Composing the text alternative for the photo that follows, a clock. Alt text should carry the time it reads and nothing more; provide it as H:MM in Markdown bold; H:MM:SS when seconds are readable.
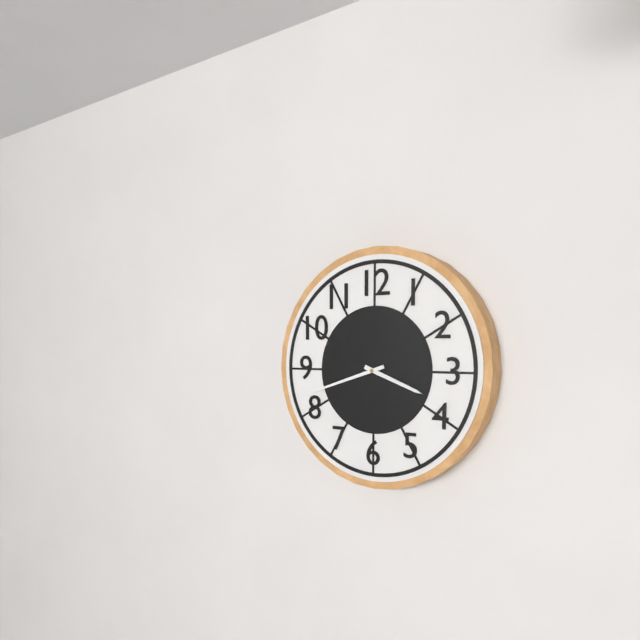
**3:42**
